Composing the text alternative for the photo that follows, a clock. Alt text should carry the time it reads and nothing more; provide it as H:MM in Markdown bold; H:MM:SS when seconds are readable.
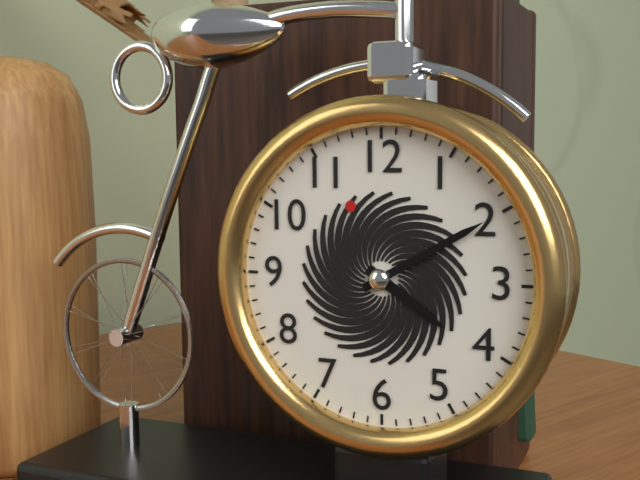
**4:10**
